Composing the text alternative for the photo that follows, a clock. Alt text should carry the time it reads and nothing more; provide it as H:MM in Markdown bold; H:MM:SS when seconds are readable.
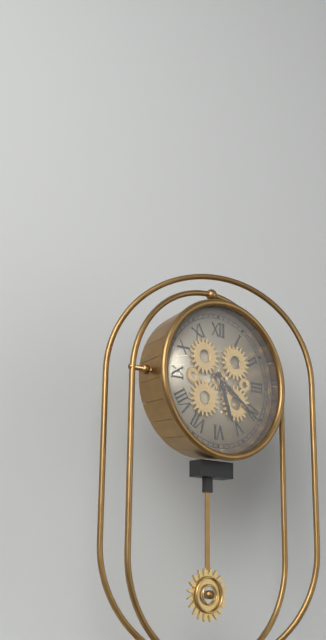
**5:21**
